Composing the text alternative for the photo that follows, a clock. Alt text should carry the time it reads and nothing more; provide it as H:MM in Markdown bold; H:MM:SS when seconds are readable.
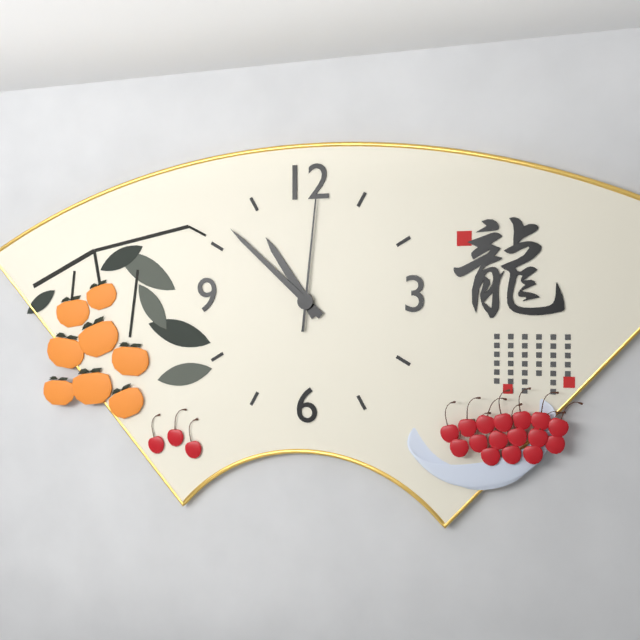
**10:52:01**
